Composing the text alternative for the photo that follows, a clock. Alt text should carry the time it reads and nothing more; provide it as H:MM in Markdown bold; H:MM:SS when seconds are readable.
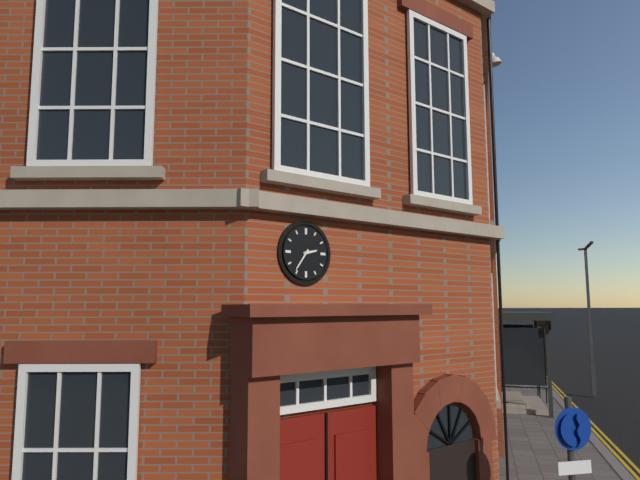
**2:36**
